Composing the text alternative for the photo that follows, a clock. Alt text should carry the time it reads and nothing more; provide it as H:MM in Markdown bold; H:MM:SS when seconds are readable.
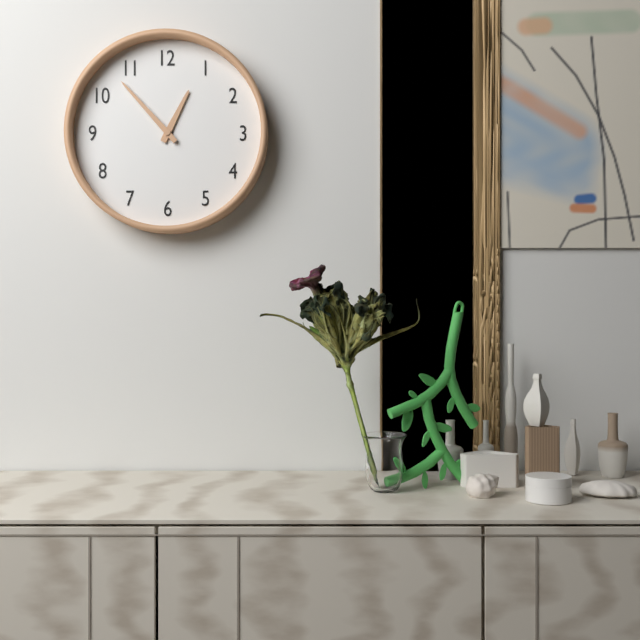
**12:53**
